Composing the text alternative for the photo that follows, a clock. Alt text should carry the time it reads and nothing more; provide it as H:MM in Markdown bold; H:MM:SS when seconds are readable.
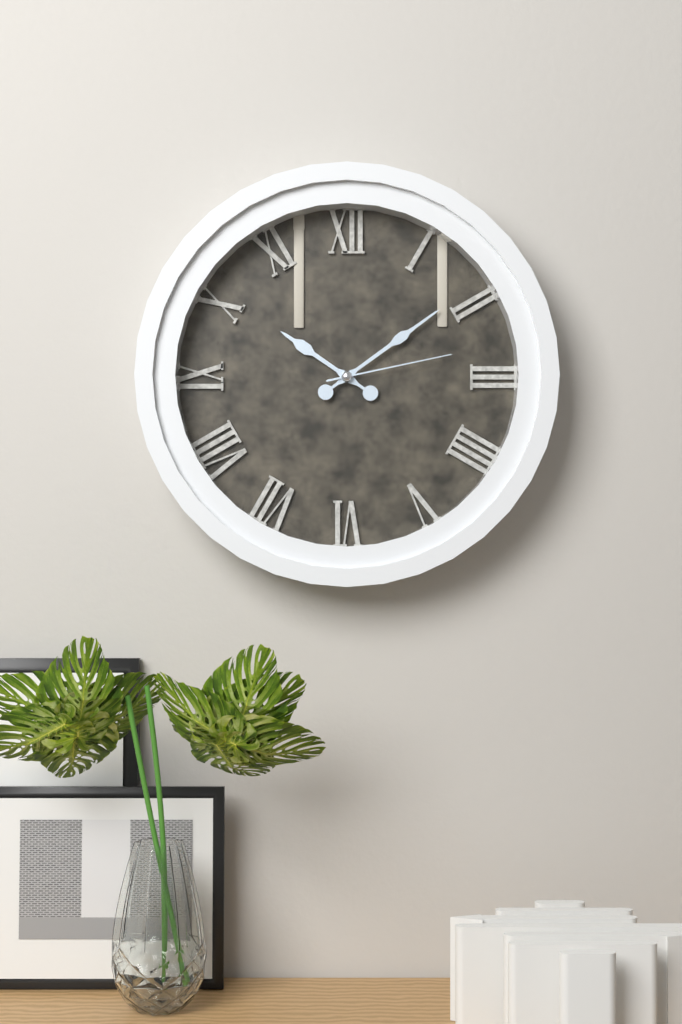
**10:09:13**
